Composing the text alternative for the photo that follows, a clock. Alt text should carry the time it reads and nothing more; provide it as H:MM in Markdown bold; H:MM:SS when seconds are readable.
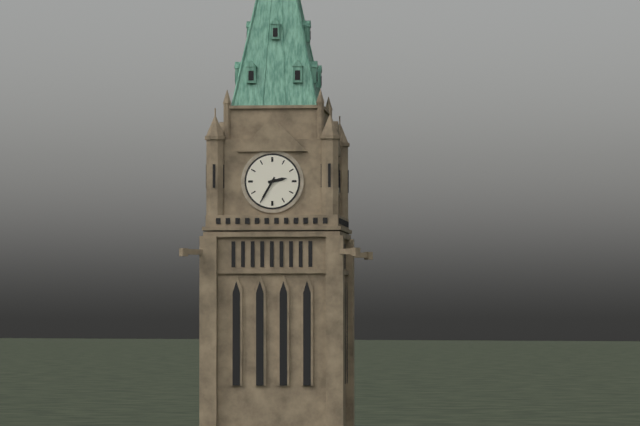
**2:35**
